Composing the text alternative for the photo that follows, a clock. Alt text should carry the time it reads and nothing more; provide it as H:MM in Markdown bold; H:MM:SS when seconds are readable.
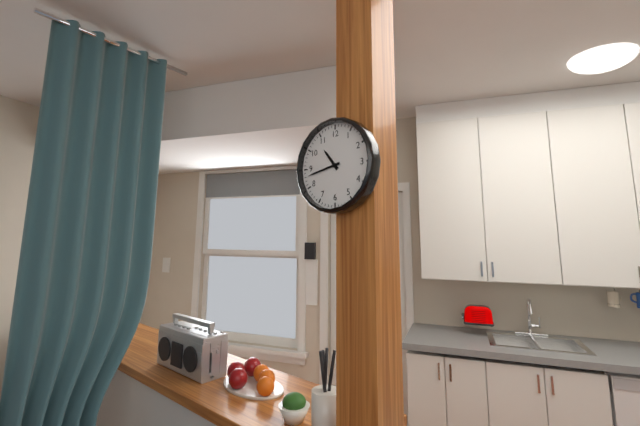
**10:43**
